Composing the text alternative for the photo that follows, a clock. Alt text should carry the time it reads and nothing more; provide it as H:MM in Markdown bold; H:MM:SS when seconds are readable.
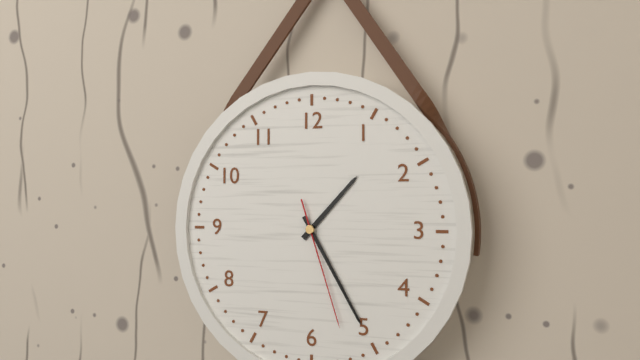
**1:25:27**
